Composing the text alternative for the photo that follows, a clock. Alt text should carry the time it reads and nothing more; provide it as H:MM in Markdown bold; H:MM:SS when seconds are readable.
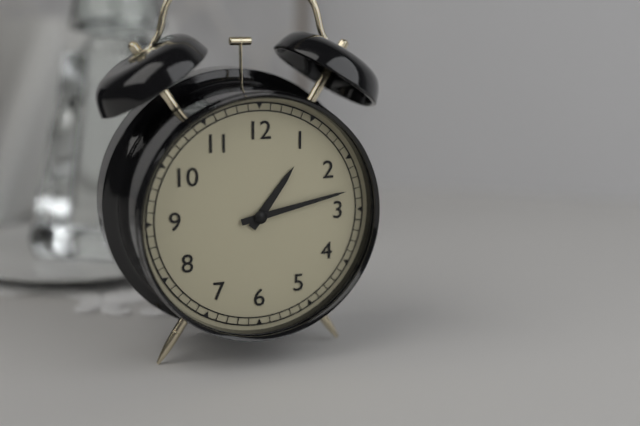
**1:13**
